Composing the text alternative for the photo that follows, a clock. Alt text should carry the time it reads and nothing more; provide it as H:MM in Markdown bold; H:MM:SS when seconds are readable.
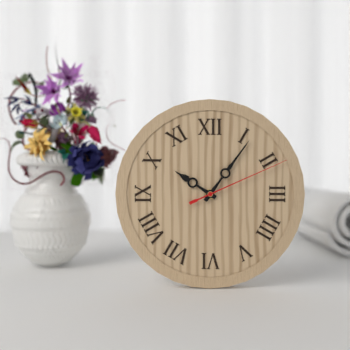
**10:06:11**
